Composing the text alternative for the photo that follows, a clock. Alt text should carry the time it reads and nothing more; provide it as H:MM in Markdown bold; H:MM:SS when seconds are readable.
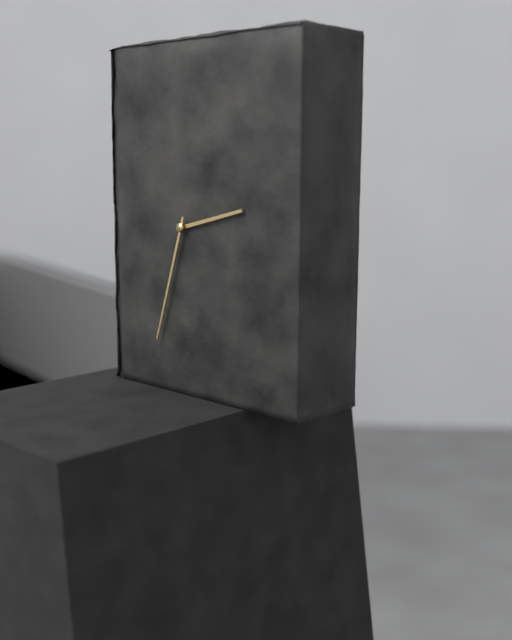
**2:33**
